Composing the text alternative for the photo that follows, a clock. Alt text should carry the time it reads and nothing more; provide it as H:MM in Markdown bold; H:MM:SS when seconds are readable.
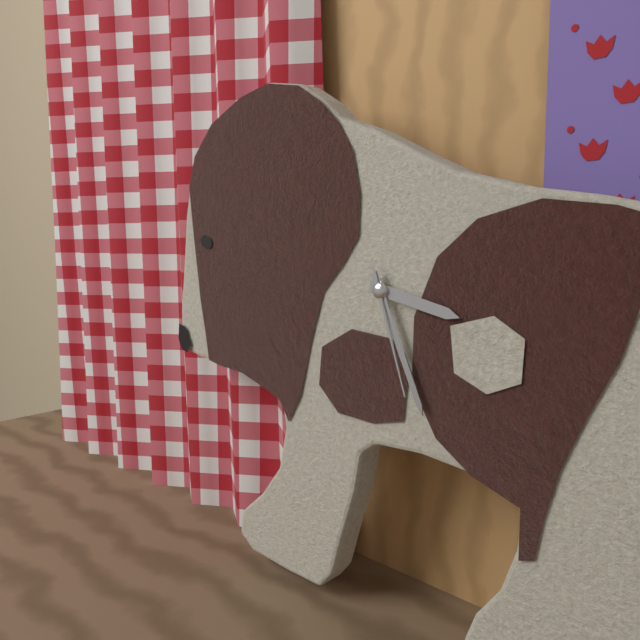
**3:26:27**
